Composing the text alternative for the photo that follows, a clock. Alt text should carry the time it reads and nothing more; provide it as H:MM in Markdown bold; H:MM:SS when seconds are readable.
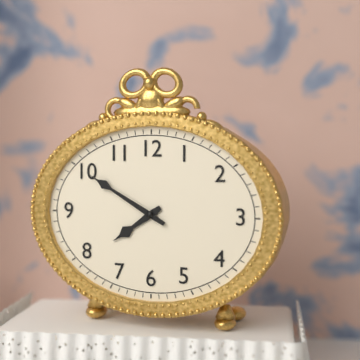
**7:50**
